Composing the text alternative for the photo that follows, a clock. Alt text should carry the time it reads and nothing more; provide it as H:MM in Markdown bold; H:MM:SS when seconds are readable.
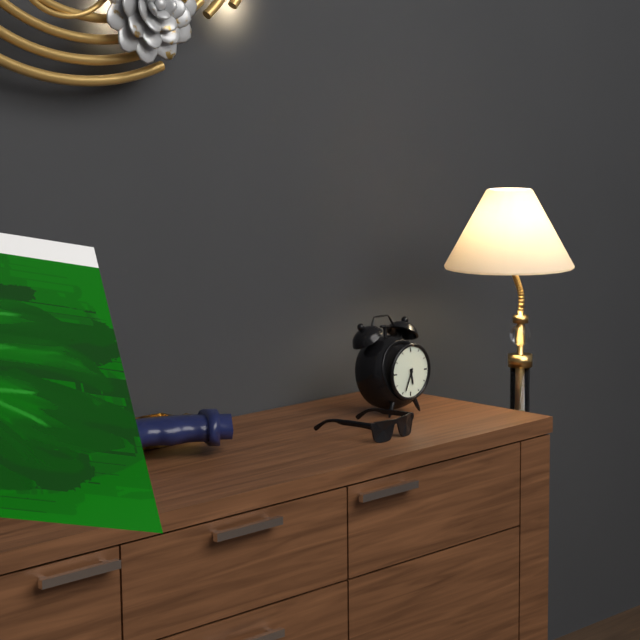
**5:34**
